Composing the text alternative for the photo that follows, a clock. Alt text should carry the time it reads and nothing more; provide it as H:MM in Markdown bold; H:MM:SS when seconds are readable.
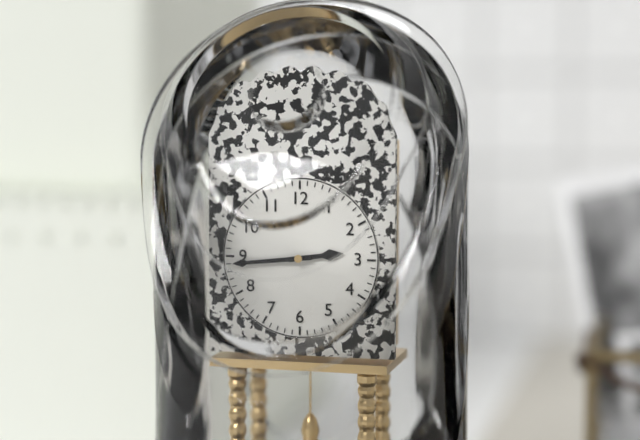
**2:44**
